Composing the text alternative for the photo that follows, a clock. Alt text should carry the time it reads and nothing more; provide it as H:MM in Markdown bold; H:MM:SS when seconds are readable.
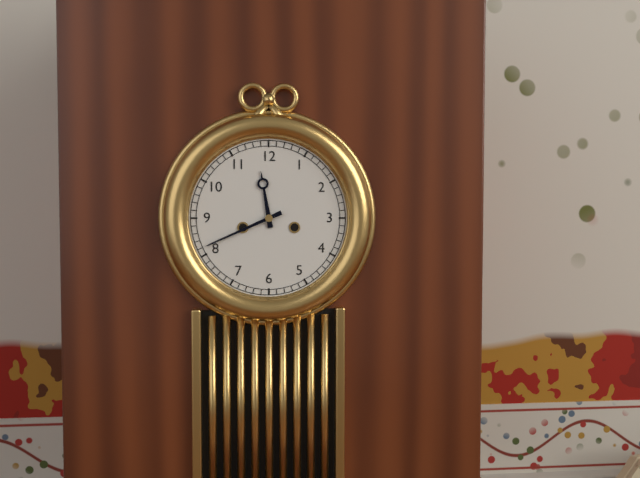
**11:41**
